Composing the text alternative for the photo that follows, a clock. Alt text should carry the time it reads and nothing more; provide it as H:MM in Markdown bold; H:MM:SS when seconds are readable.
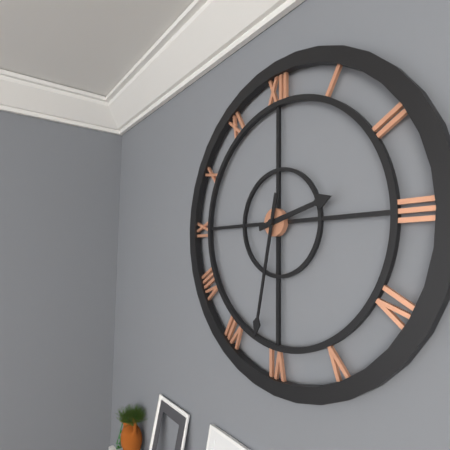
**2:32**
